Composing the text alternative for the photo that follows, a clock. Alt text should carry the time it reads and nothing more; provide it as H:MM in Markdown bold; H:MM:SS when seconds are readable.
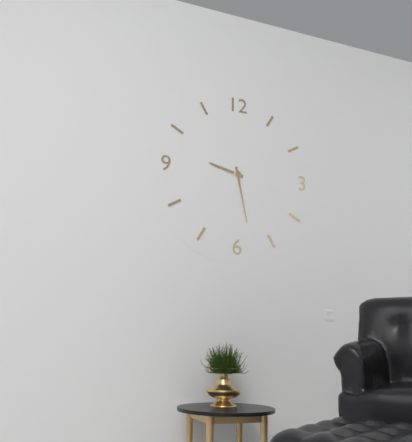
**9:28**
